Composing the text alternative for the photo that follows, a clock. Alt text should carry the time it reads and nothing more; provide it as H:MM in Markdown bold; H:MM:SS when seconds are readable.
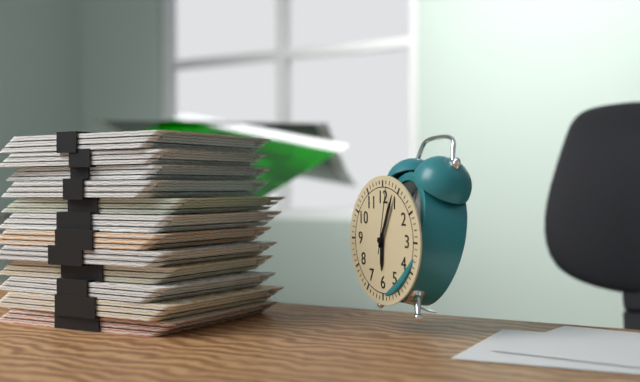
**6:04:02**
